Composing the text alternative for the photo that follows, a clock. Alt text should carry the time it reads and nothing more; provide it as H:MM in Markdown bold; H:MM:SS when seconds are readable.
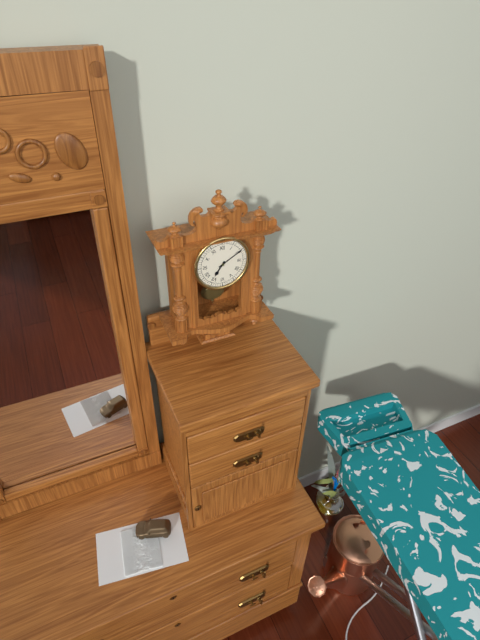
**7:10**
